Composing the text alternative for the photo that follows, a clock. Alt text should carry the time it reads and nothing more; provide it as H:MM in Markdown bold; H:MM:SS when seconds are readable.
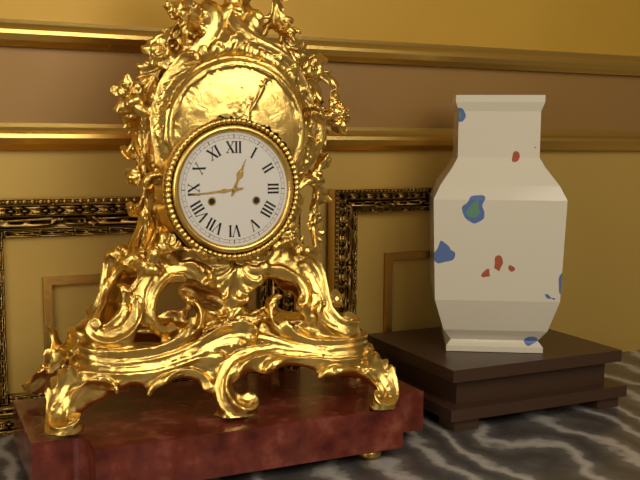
**12:44**
